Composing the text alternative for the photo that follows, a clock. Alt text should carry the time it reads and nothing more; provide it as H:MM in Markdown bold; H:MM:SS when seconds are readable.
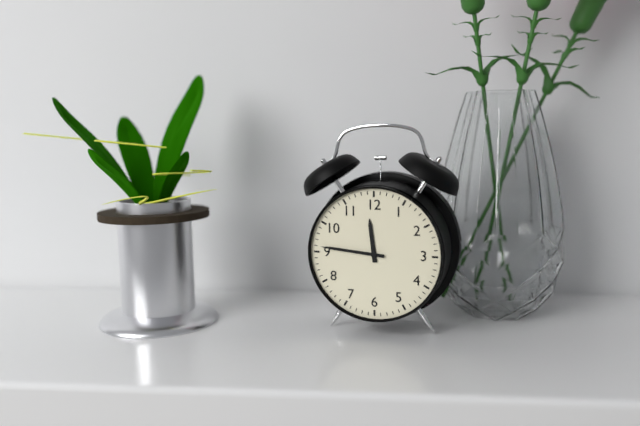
**11:46**
